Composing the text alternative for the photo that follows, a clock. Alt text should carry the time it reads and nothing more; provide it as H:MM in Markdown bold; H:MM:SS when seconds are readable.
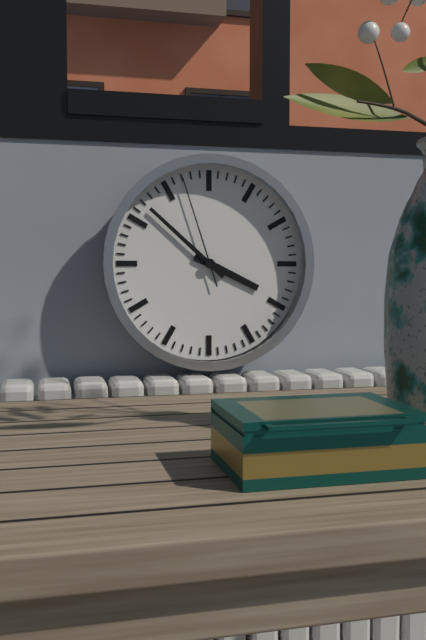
**3:52:57**
